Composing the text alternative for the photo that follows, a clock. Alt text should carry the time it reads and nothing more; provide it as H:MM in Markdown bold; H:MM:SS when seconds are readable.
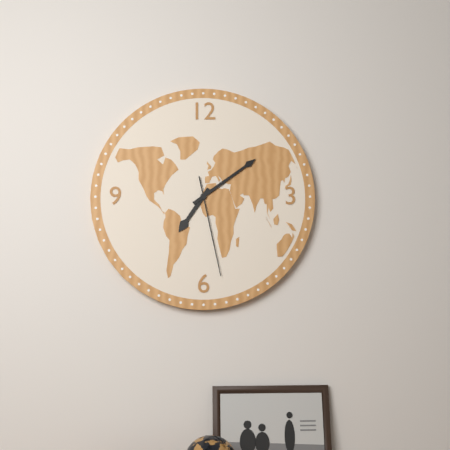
**7:09:28**
